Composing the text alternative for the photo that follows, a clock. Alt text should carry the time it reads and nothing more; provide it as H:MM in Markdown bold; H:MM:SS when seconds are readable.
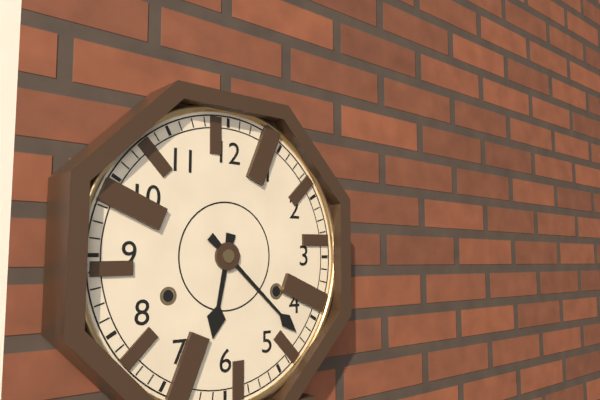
**6:22**
